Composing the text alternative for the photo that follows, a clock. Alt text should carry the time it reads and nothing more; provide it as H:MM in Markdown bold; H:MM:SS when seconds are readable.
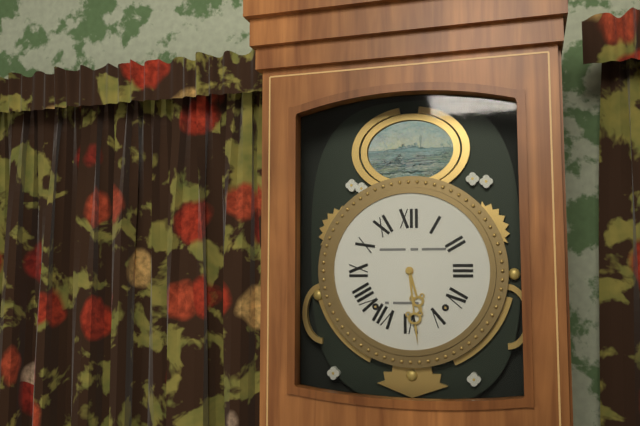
**5:29**
